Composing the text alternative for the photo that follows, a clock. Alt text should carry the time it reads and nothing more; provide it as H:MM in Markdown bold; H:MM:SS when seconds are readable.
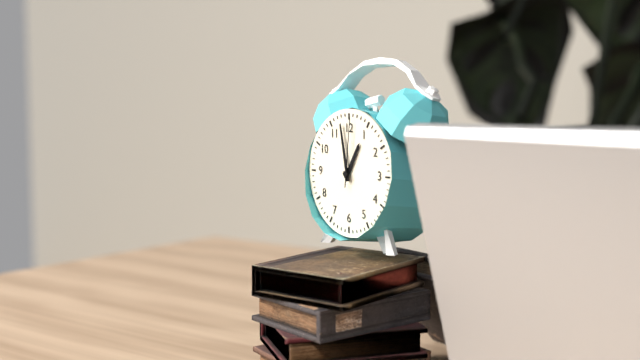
**12:58:01**
